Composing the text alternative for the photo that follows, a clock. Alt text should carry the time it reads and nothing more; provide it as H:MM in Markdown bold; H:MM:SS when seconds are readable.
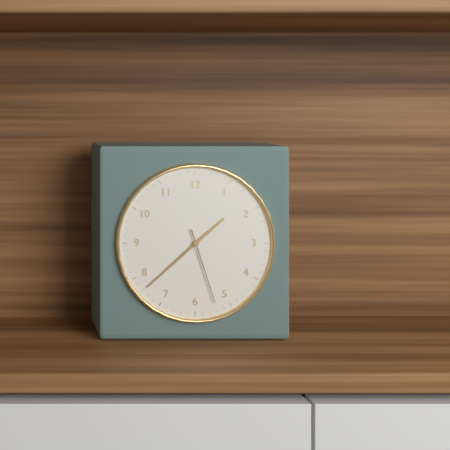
**1:38:27**
